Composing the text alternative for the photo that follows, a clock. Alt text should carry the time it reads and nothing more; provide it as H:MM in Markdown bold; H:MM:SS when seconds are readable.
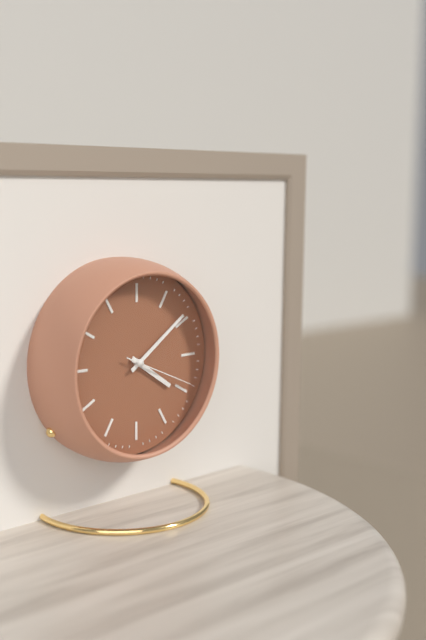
**4:09:19**
